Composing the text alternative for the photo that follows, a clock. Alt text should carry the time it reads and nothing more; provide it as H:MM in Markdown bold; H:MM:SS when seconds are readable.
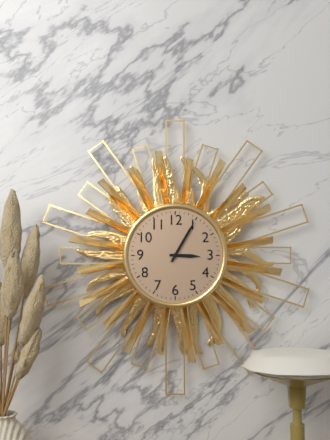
**3:05**
